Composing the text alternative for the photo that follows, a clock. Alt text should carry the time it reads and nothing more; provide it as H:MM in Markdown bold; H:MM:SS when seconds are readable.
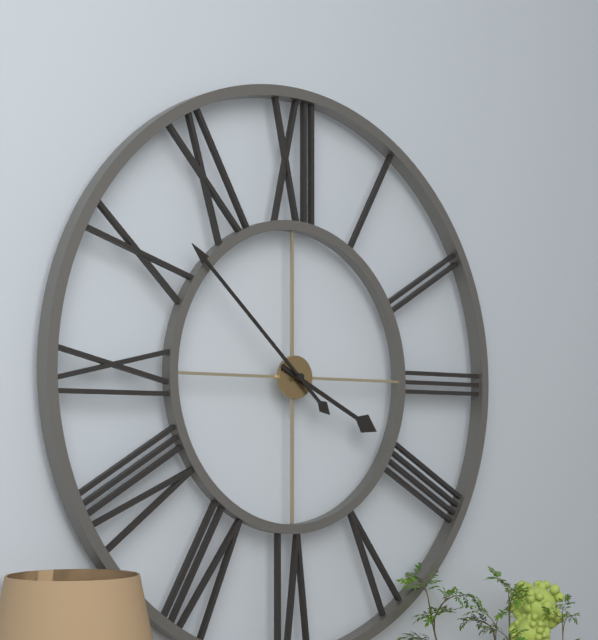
**3:52**
